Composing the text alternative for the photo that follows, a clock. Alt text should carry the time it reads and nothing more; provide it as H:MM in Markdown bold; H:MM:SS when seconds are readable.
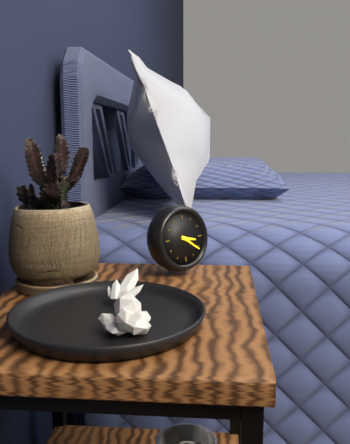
**3:21**
